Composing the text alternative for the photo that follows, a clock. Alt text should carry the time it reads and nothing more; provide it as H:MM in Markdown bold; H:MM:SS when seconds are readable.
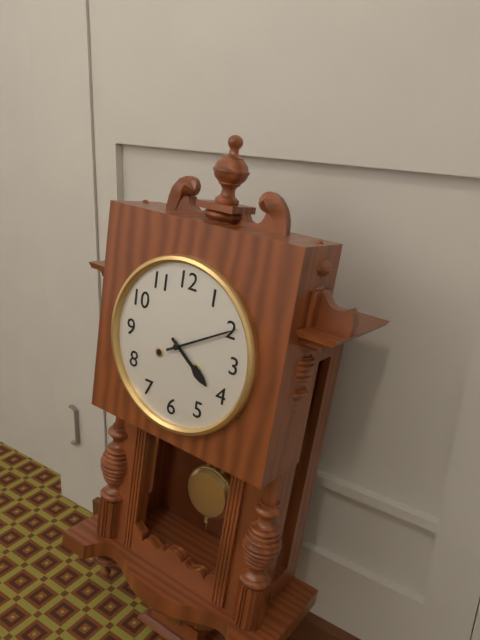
**4:10**
